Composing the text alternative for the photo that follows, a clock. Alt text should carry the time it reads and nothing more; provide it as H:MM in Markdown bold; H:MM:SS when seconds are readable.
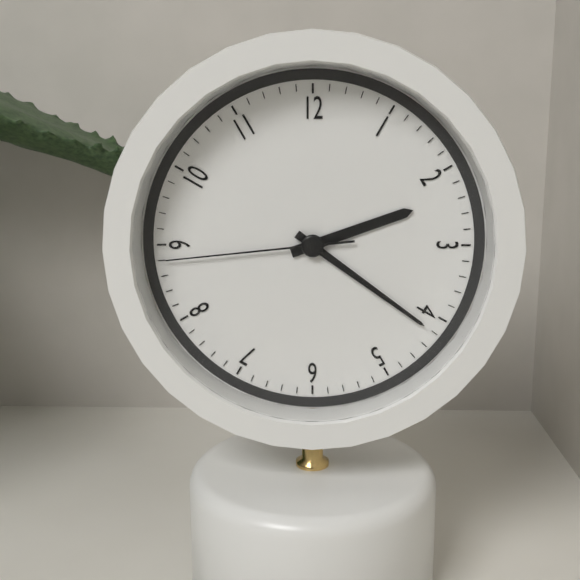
**2:21:44**
